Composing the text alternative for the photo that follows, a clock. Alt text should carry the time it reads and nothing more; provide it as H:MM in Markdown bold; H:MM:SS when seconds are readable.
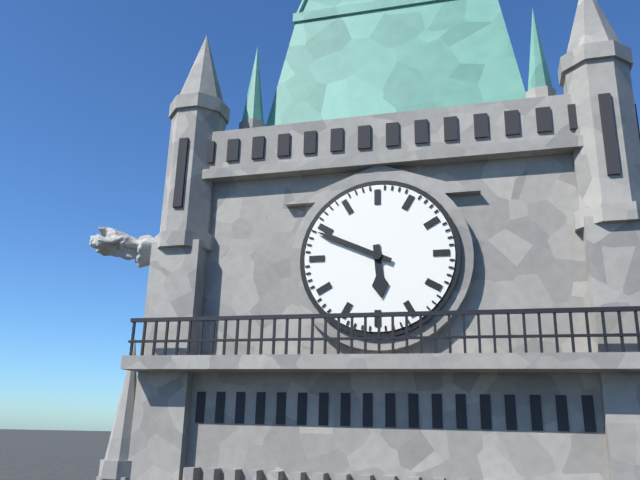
**5:49**
